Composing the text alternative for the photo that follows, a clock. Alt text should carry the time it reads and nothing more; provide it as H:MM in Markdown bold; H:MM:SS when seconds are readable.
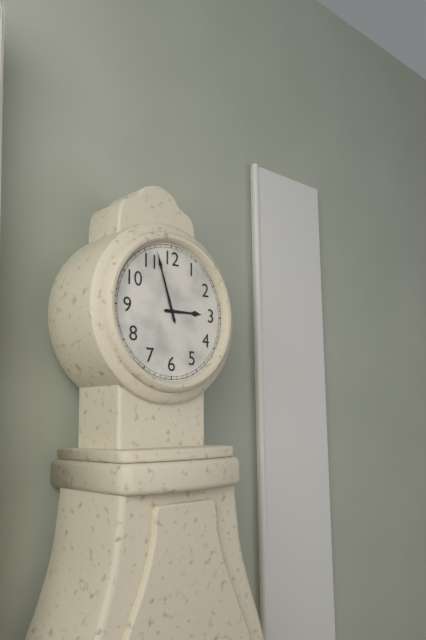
**2:57**
